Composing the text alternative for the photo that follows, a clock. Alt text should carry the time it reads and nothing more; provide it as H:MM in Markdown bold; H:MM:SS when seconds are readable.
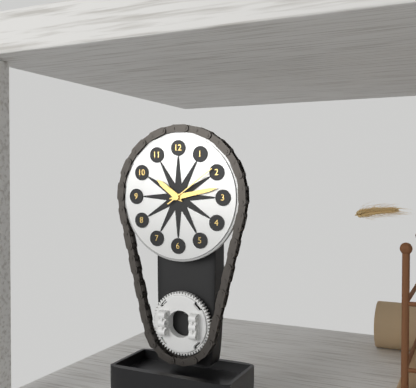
**10:13:09**
